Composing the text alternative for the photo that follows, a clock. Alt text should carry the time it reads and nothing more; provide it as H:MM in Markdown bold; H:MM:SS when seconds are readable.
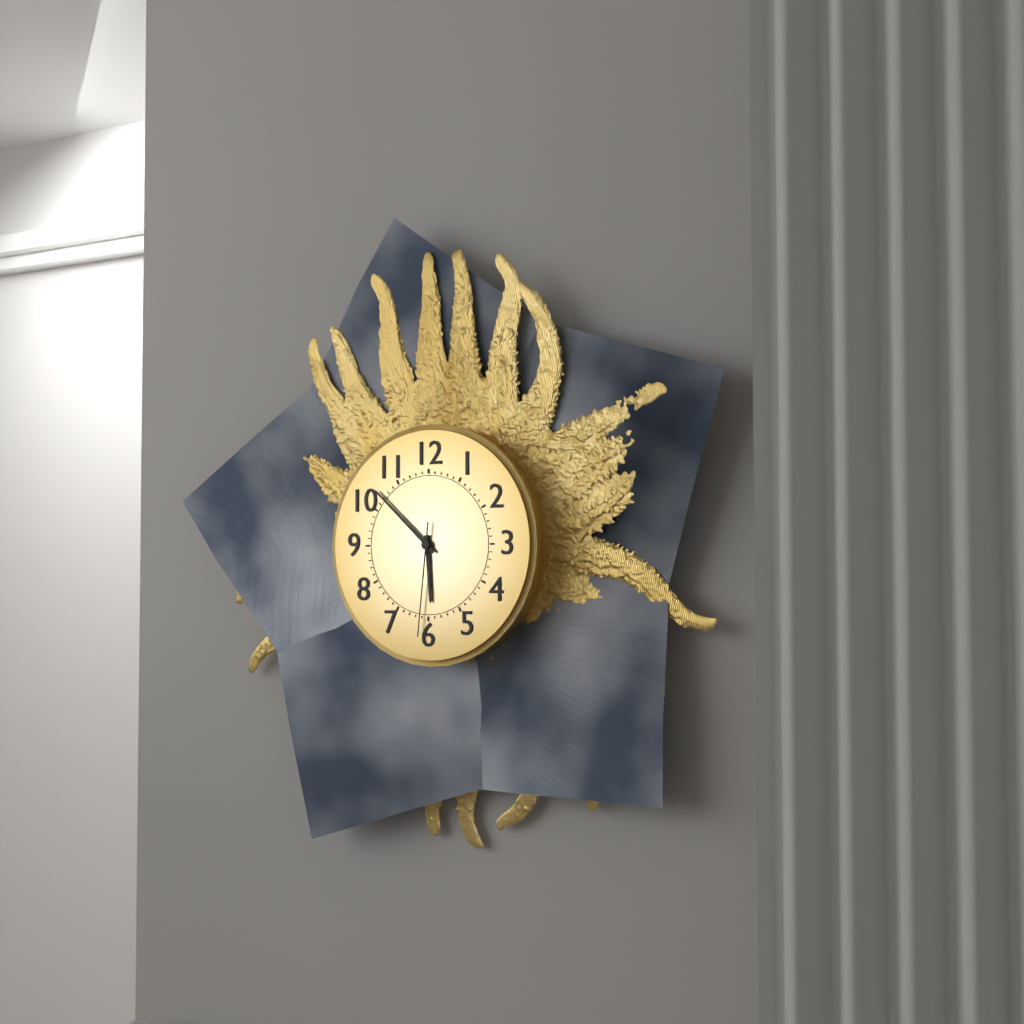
**5:52:31**
